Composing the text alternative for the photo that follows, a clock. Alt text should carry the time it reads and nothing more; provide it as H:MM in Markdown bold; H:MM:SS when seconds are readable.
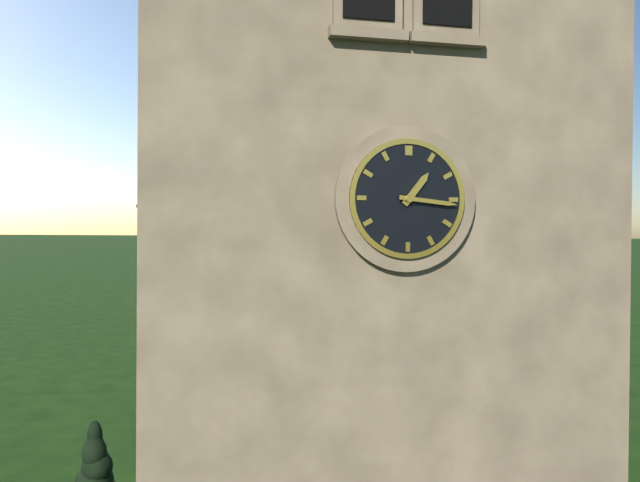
**1:16**
